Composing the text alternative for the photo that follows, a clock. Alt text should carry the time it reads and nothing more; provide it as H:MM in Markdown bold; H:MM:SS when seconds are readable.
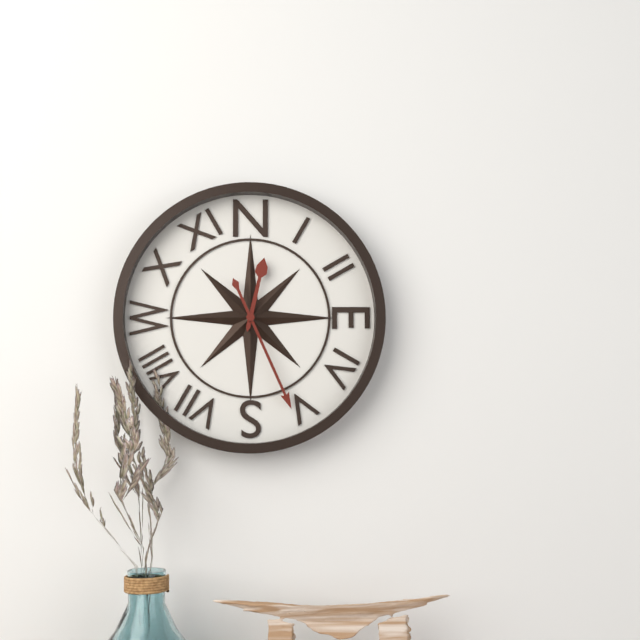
**12:26**
